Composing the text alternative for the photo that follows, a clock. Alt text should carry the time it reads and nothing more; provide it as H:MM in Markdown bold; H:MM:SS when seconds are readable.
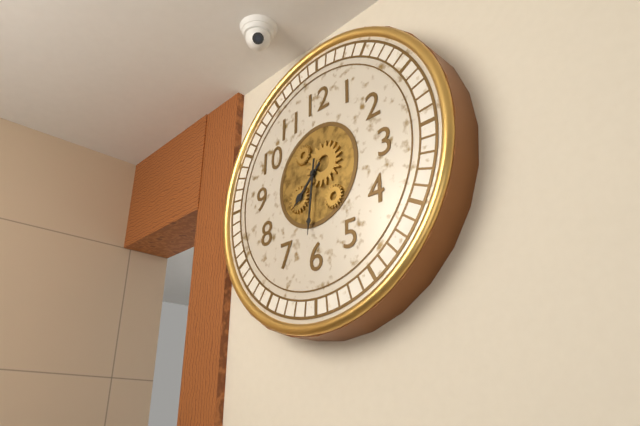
**7:31**
